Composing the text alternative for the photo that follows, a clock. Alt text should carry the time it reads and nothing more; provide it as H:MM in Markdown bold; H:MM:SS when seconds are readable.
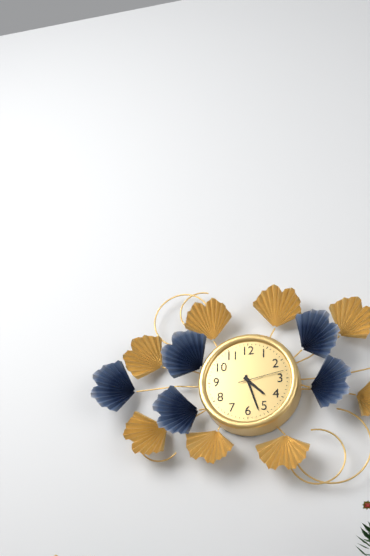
**4:27**
